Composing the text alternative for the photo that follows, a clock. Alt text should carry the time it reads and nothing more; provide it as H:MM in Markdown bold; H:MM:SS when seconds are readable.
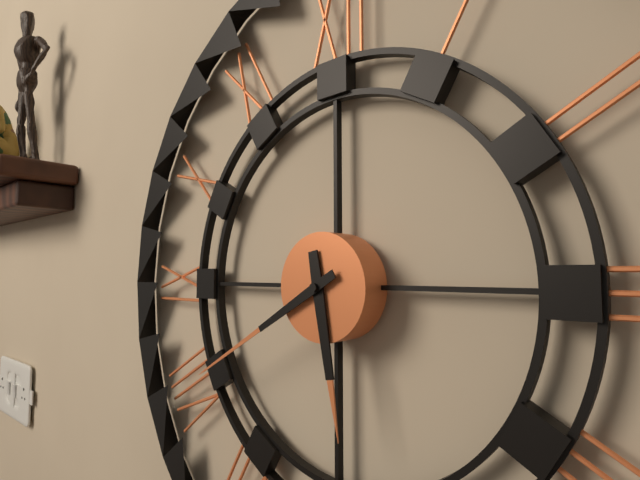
**5:40**
